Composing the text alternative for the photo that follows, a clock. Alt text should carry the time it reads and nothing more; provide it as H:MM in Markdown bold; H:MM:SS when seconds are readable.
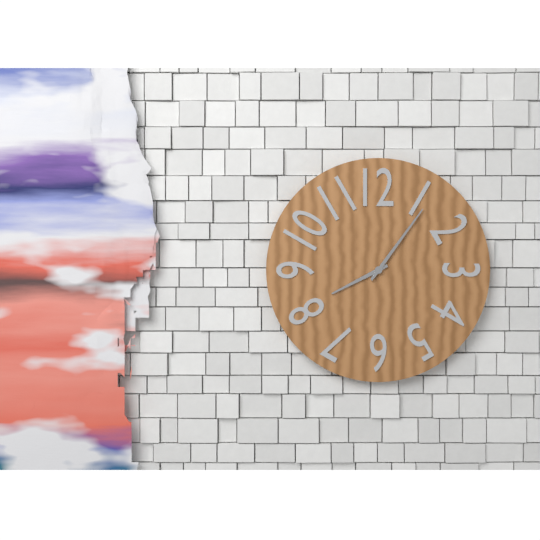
**8:06**
